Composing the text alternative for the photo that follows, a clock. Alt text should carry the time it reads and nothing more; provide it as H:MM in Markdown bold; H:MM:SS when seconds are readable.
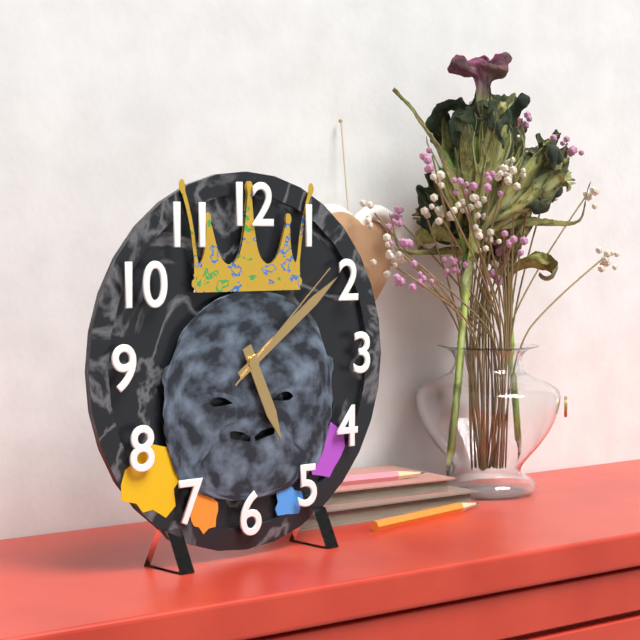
**5:09:08**
